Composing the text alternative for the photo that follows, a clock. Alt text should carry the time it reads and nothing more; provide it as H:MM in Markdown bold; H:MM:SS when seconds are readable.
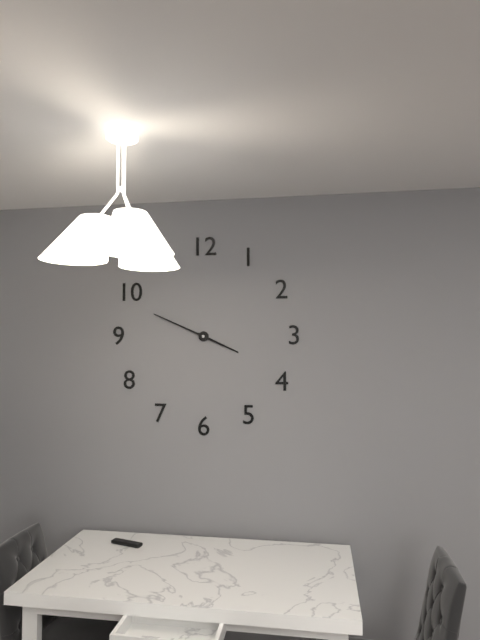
**3:49**
